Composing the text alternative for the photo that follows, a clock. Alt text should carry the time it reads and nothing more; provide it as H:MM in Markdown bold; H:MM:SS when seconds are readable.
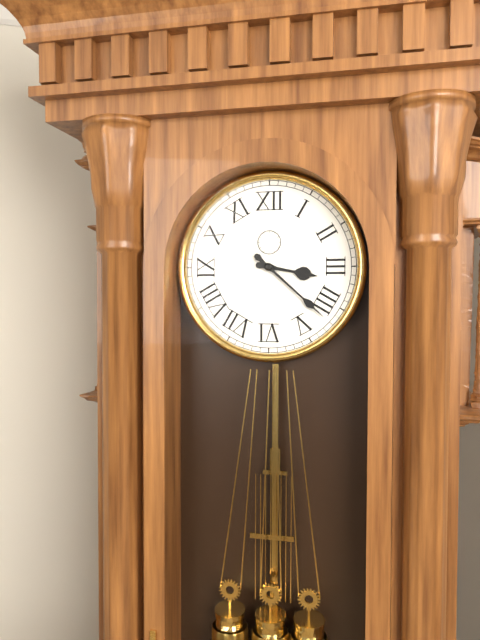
**3:22**
